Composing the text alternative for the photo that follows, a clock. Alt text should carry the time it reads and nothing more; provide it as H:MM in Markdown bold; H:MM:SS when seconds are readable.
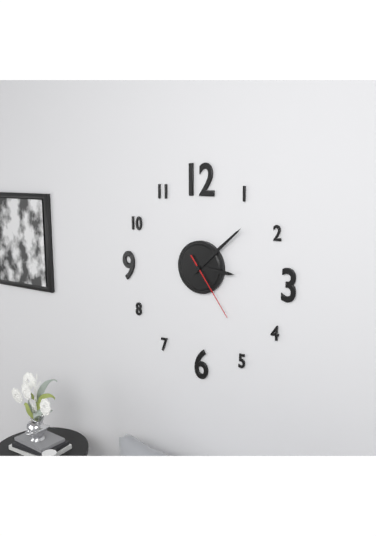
**3:08:24**
